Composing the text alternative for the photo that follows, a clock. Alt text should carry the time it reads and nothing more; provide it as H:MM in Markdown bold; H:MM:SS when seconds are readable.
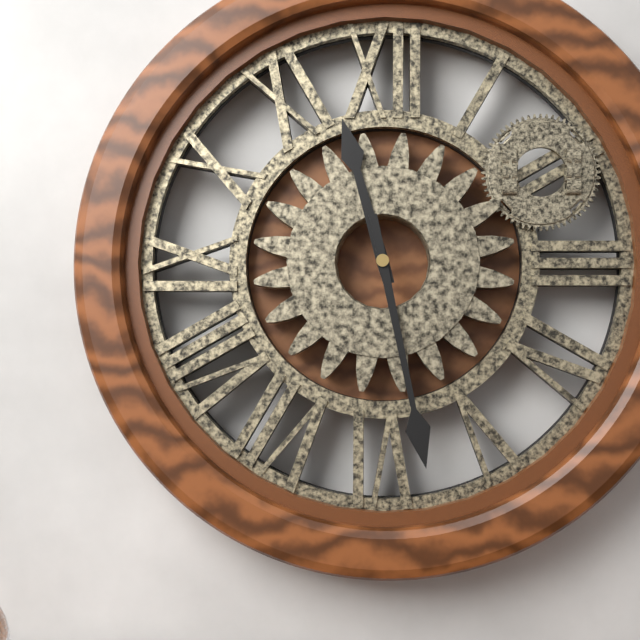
**11:28**
